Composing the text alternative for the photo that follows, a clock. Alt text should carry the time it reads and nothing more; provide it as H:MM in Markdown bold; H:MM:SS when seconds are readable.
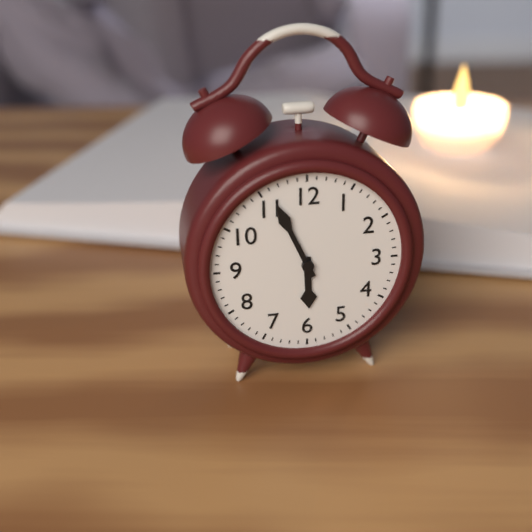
**5:56**
